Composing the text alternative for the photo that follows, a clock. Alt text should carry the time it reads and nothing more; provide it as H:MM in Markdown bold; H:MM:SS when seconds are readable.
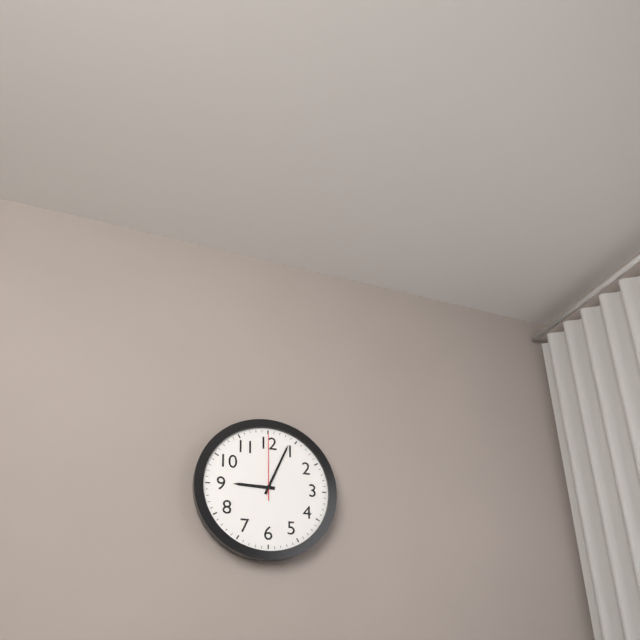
**9:04:00**
